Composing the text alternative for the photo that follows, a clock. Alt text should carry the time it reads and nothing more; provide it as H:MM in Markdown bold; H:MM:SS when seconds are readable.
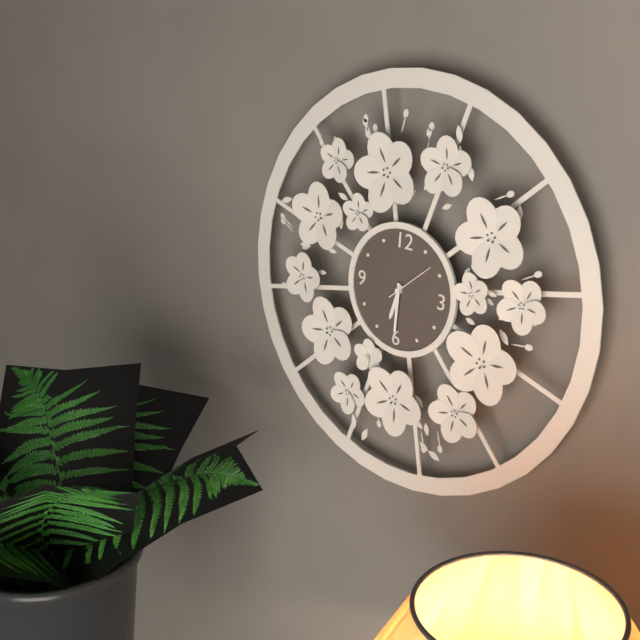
**6:30:08**
